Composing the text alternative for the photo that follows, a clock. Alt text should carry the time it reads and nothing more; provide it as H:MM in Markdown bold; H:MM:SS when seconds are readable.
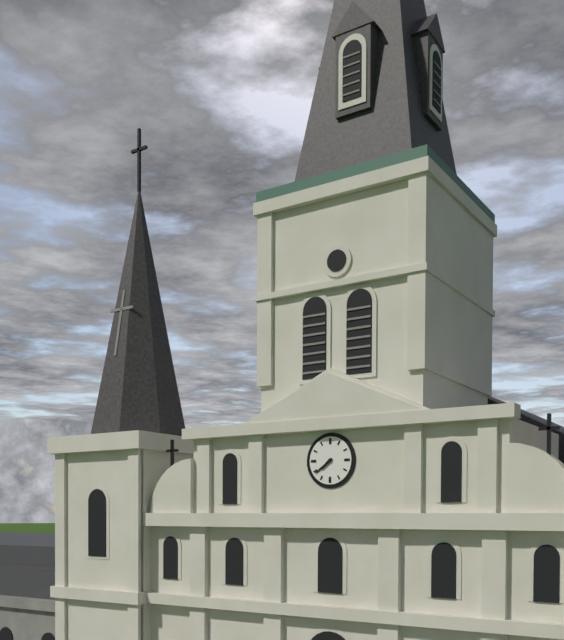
**7:39**
